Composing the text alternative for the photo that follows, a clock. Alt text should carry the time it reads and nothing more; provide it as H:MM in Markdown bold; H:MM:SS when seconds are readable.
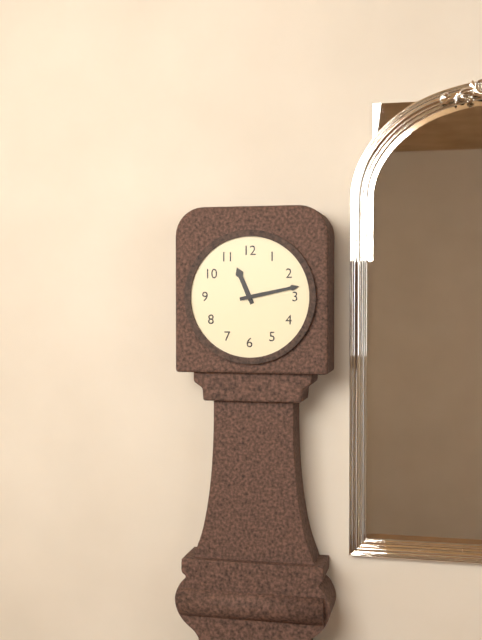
**11:13**
